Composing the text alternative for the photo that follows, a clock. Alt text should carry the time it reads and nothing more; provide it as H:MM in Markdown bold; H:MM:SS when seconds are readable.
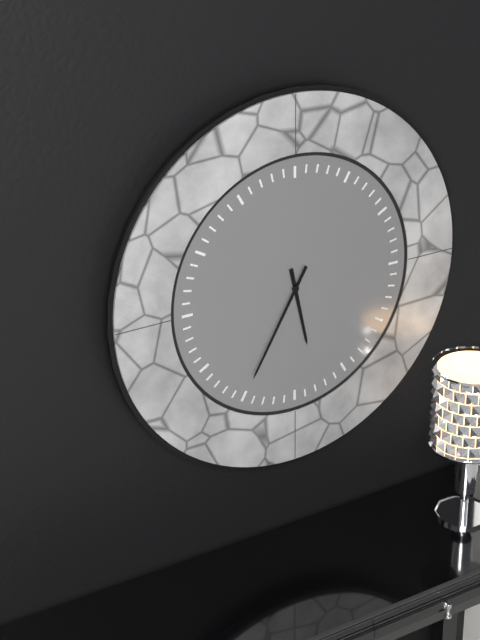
**5:35**
